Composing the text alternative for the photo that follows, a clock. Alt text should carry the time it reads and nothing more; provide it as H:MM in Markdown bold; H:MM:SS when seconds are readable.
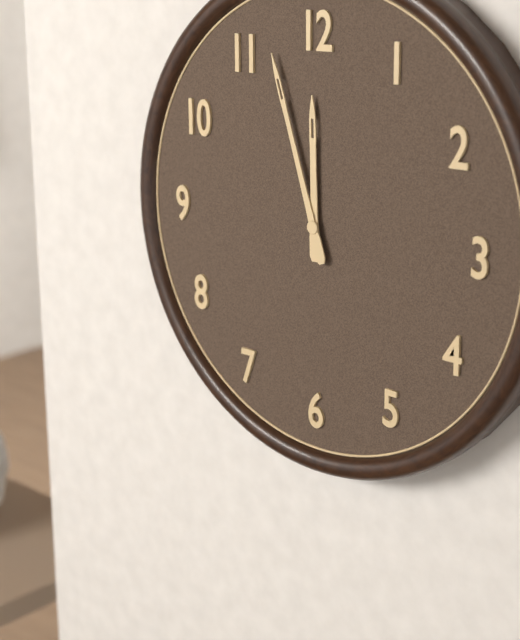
**11:57**
